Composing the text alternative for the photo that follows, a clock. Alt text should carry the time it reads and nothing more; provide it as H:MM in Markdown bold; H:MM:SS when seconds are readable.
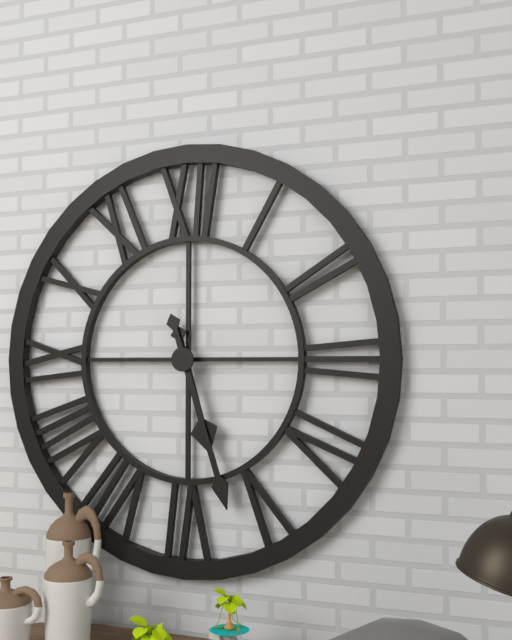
**5:27**
